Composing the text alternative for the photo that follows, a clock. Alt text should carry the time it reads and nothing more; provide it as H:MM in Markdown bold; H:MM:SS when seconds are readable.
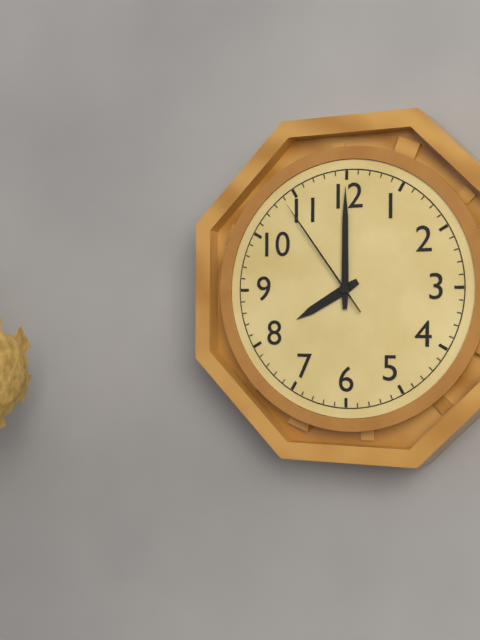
**8:00:54**
